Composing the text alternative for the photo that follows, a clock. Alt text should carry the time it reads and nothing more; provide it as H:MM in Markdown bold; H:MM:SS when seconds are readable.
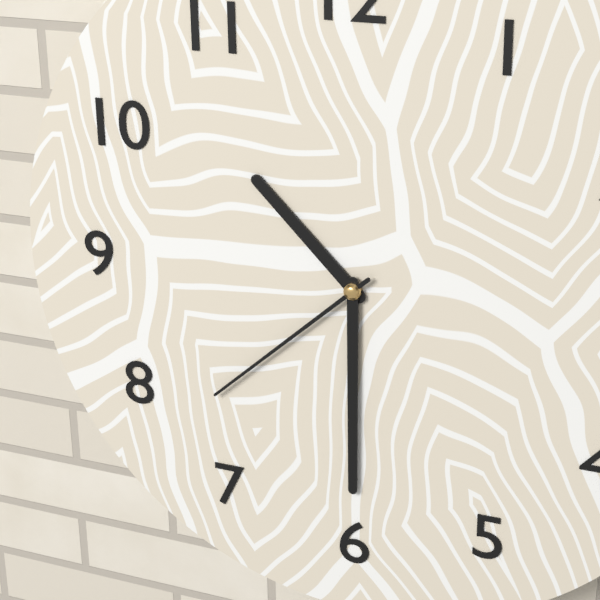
**10:30:38**
